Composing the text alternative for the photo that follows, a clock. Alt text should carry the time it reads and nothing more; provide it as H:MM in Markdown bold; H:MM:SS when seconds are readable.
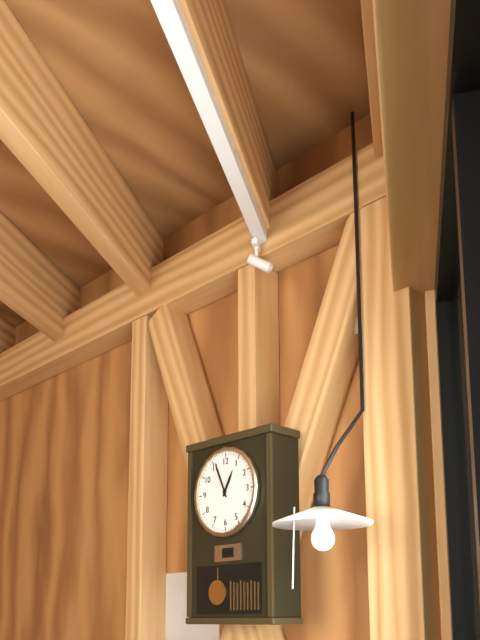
**12:56**
